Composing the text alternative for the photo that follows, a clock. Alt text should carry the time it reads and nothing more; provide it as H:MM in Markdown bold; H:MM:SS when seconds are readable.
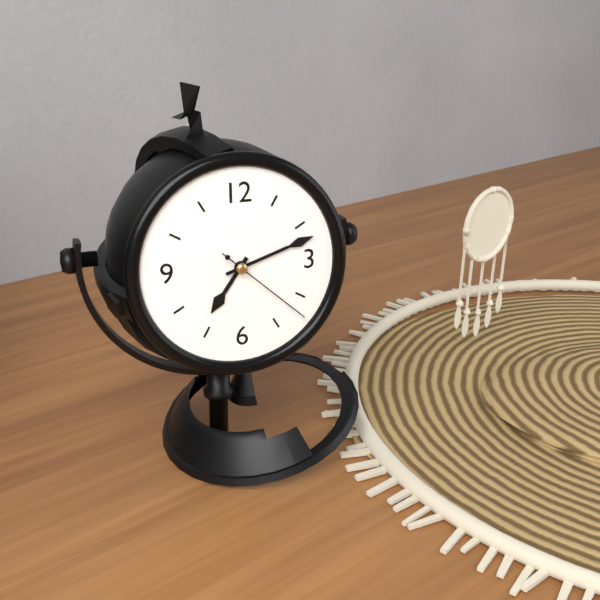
**7:12:22**
